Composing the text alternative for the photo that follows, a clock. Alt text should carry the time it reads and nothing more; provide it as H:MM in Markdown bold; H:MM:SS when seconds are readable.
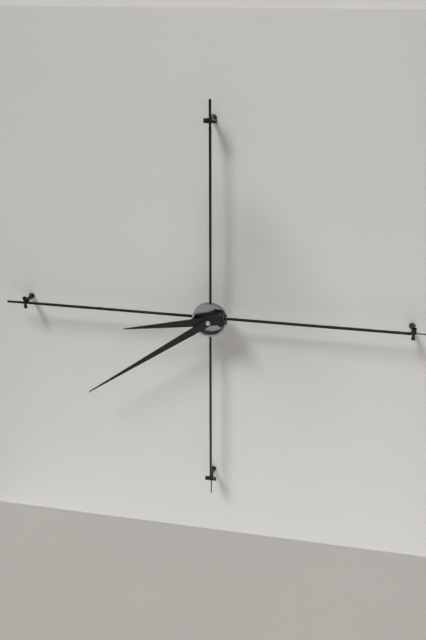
**8:39**
